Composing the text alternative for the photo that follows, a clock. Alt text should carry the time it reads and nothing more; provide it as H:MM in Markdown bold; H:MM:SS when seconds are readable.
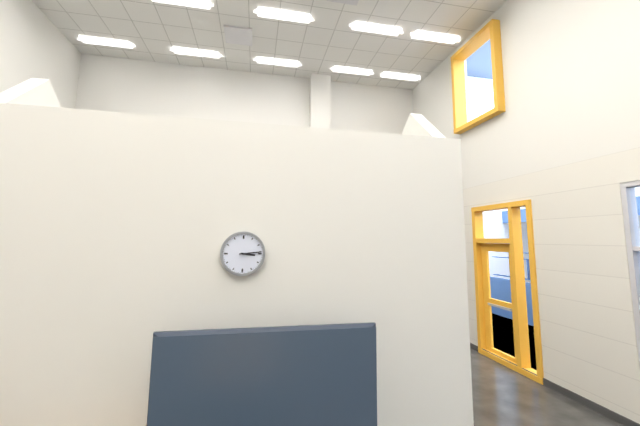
**3:14**
